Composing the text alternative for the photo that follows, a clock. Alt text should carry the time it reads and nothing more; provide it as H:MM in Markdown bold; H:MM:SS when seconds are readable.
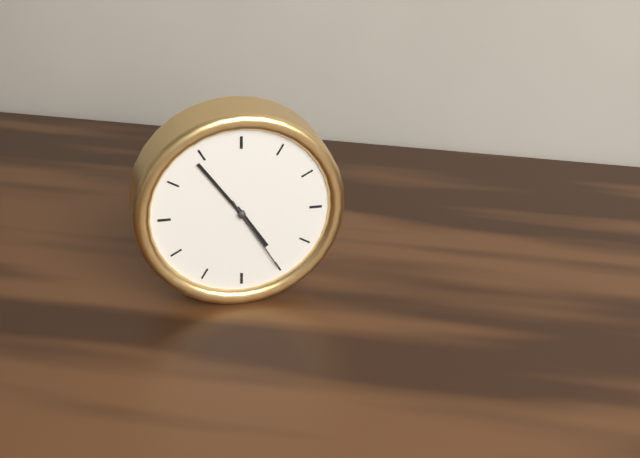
**4:54:25**
